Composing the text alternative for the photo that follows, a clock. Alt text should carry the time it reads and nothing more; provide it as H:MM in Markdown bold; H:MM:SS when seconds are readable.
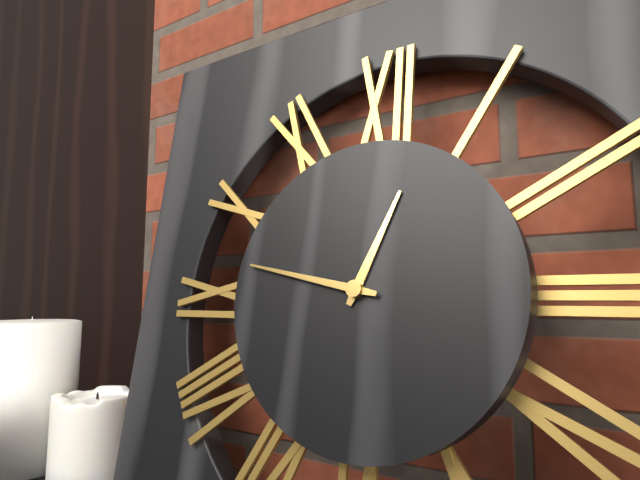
**12:47**
